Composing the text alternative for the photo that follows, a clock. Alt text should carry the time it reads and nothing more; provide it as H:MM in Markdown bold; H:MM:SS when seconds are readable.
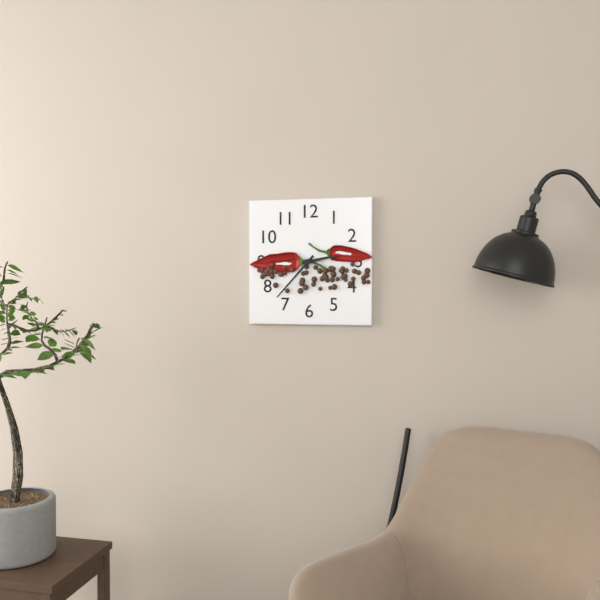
**2:37**
